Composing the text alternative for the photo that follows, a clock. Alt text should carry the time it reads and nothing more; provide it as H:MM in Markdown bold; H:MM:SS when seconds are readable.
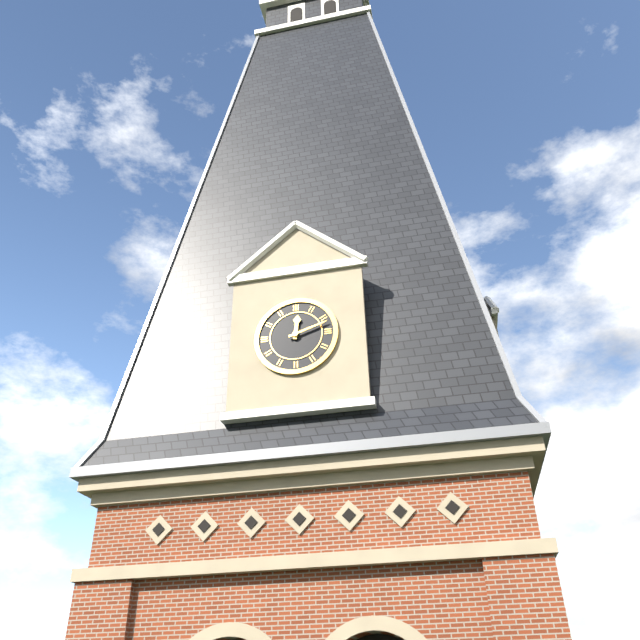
**12:12**
